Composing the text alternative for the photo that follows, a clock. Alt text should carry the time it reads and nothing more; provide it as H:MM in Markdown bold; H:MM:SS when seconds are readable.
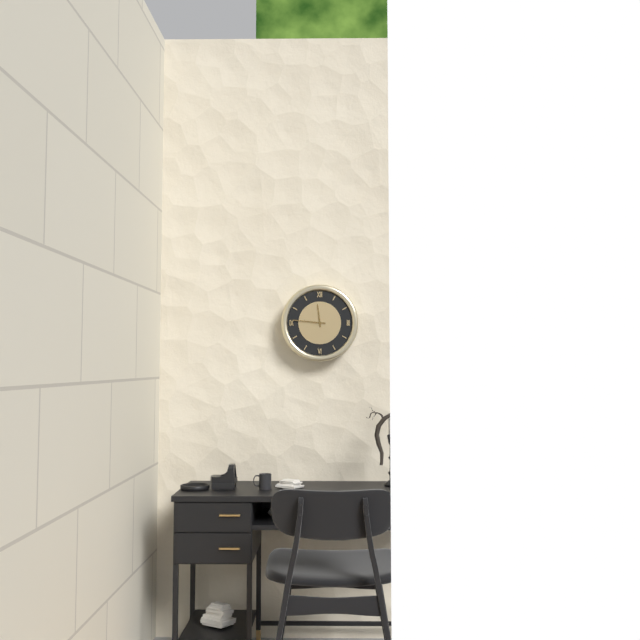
**11:46**
